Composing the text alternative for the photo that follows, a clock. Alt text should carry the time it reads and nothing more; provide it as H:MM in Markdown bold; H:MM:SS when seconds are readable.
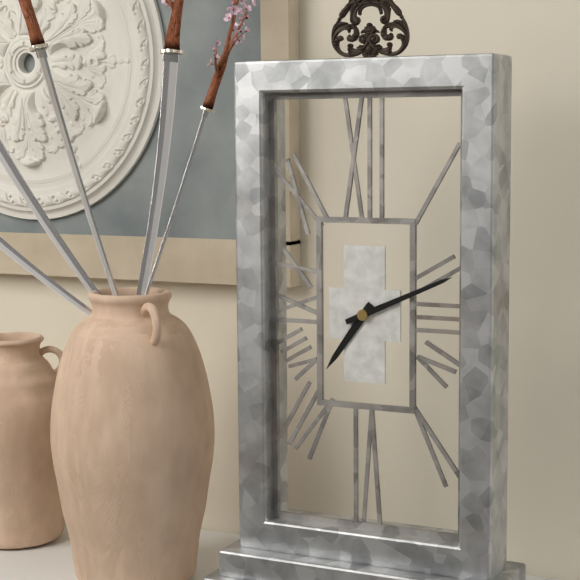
**7:11**
